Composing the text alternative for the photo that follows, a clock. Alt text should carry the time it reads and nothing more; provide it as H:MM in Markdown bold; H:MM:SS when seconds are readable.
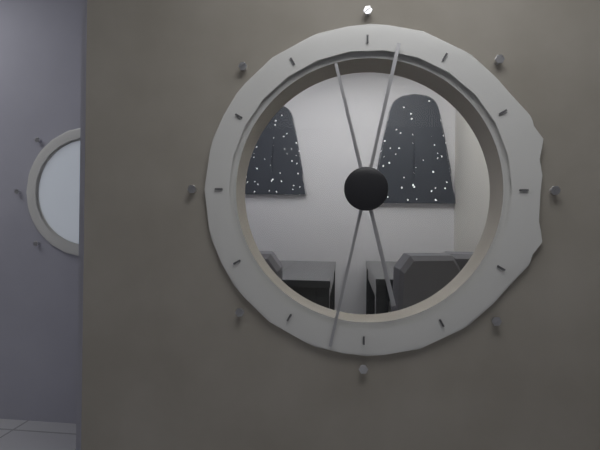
**11:32**
